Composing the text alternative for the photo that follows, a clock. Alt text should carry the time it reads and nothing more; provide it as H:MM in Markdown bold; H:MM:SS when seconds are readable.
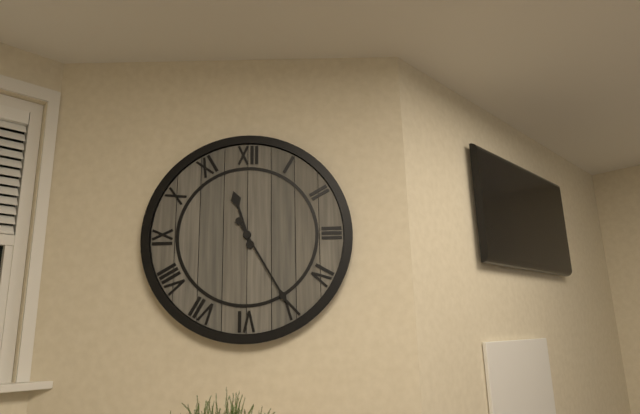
**11:25**
